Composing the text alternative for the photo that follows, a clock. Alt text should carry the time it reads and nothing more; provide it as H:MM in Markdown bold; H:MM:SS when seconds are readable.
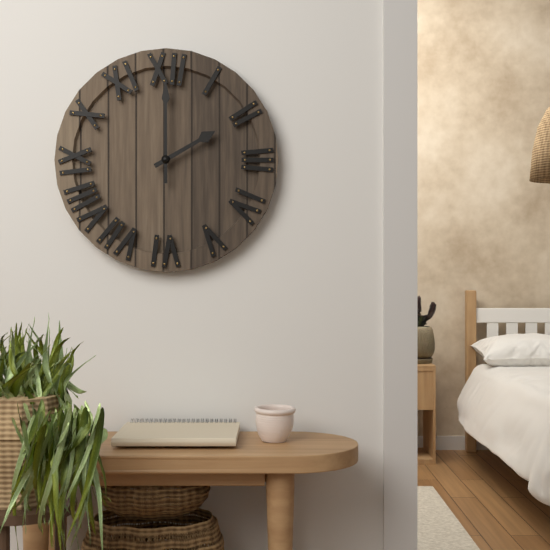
**2:00**
